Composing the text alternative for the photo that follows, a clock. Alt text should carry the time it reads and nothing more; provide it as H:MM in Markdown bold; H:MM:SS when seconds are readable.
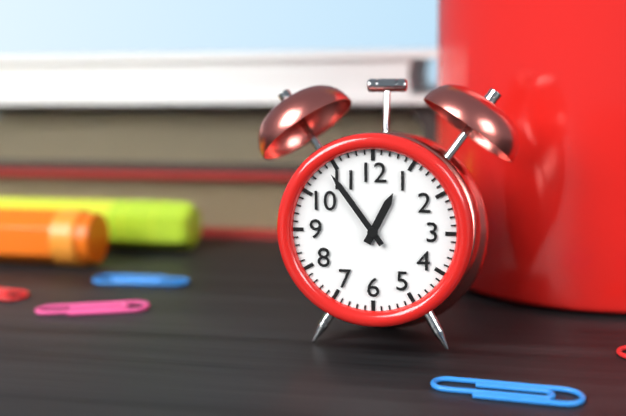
**12:54**
